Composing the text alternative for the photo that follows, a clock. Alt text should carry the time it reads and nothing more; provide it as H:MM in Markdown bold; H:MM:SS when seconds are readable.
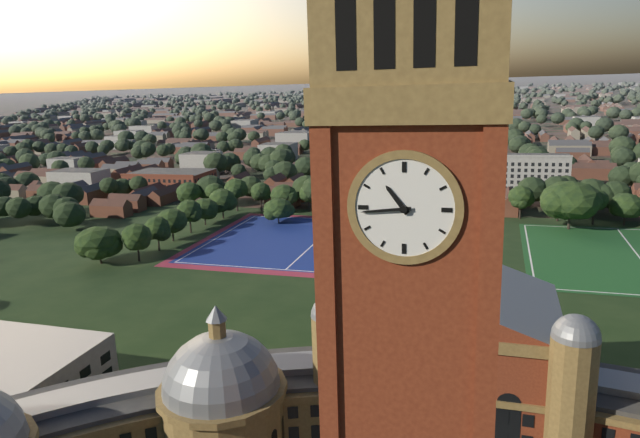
**10:44**
